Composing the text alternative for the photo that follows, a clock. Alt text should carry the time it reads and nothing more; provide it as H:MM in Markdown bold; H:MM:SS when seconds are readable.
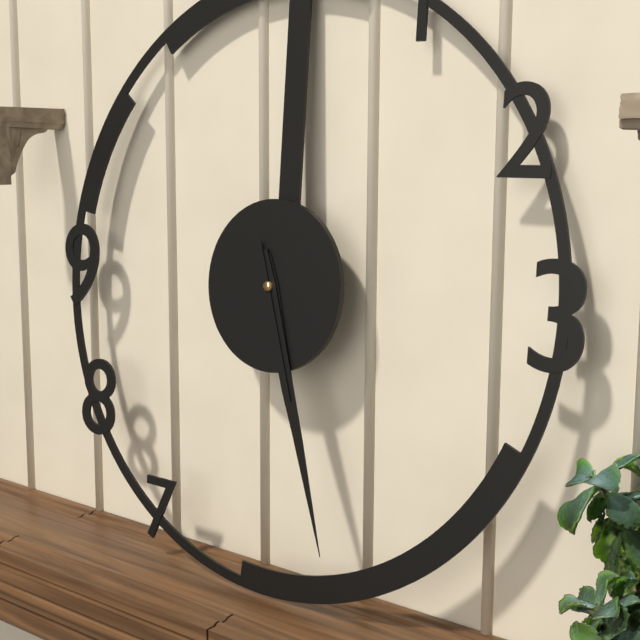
**5:27:27**
